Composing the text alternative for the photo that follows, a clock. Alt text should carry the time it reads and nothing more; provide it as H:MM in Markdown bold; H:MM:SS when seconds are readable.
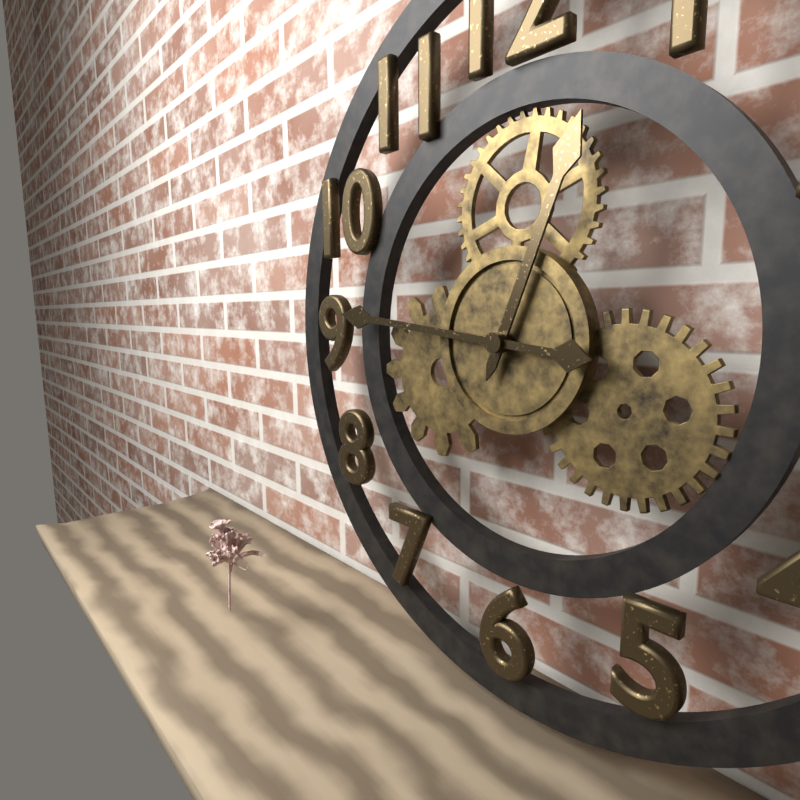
**12:46**
